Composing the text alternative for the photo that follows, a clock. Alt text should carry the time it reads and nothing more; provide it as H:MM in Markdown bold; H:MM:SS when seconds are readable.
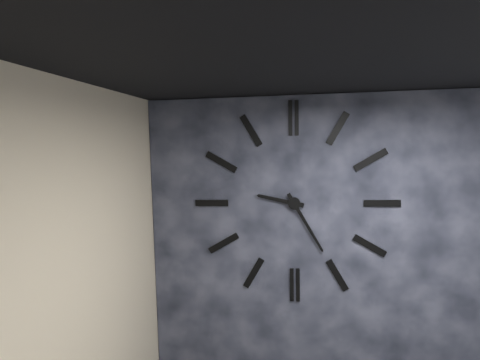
**9:25**
